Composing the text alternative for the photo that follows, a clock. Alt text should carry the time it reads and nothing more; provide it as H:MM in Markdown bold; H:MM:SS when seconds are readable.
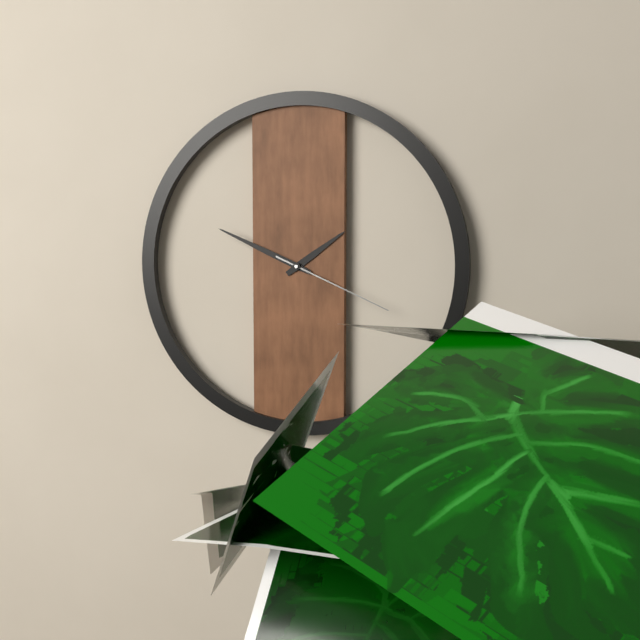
**1:49:19**
